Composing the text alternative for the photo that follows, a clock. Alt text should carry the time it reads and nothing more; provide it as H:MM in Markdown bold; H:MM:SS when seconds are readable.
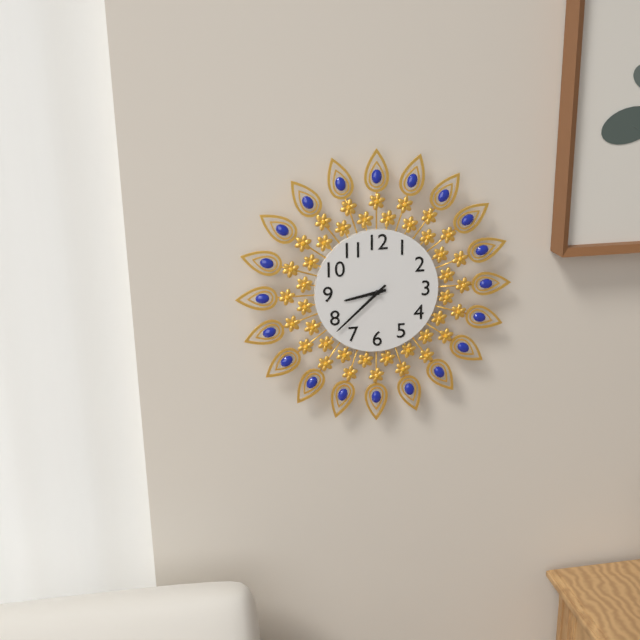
**8:38**
